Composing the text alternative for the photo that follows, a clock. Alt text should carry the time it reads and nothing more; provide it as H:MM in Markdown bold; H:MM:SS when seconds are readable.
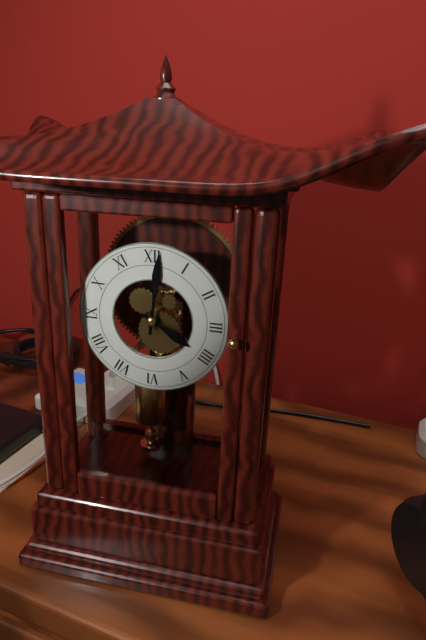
**4:01**
